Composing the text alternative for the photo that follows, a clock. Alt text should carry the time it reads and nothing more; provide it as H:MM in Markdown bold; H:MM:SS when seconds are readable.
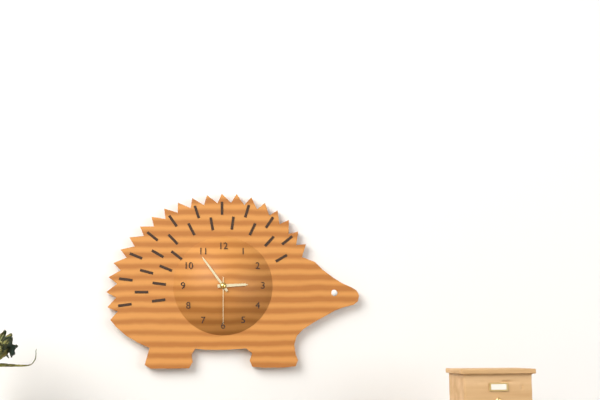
**2:54**
